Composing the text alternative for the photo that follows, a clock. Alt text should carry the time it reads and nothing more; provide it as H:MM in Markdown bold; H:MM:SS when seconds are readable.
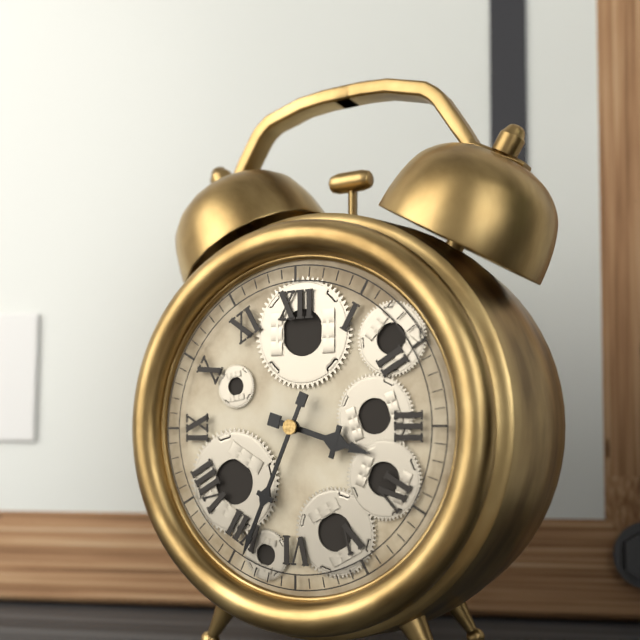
**3:34**
